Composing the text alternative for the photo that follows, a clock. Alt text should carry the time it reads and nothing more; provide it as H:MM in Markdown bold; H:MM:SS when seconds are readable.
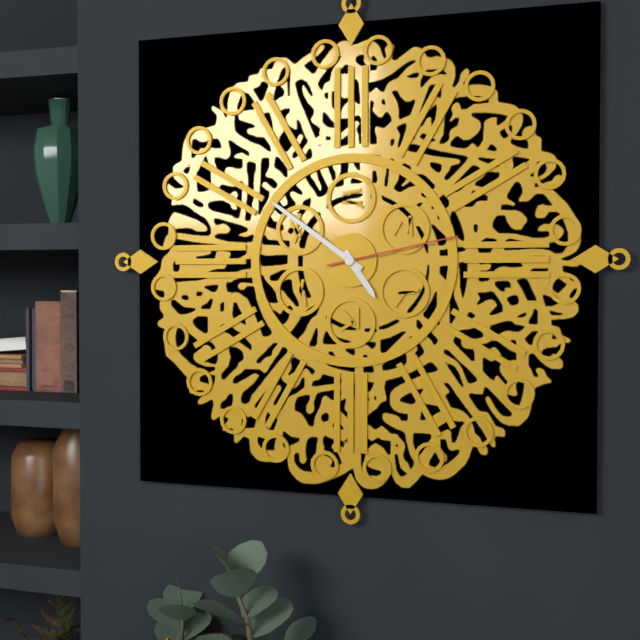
**4:51:13**
